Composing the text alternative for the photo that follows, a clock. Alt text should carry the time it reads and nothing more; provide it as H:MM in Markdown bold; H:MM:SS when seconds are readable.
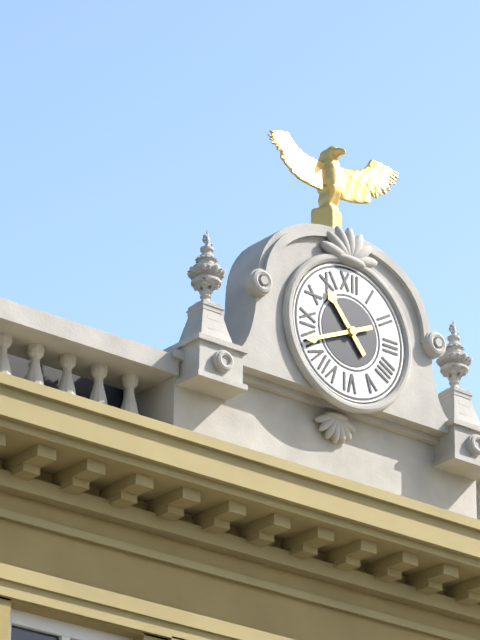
**10:41**
